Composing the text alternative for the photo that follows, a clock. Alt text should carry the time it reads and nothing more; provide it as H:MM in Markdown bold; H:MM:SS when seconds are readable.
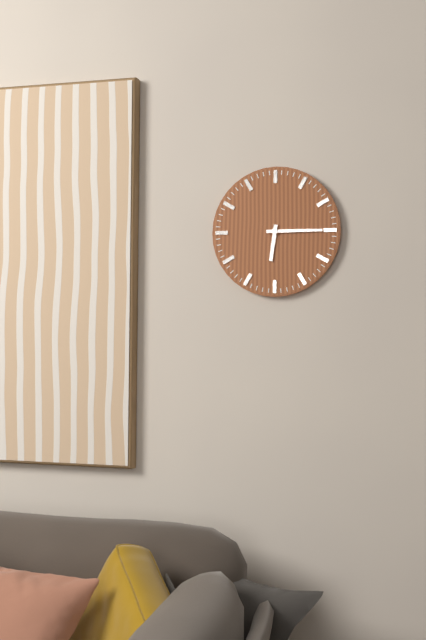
**6:15**
